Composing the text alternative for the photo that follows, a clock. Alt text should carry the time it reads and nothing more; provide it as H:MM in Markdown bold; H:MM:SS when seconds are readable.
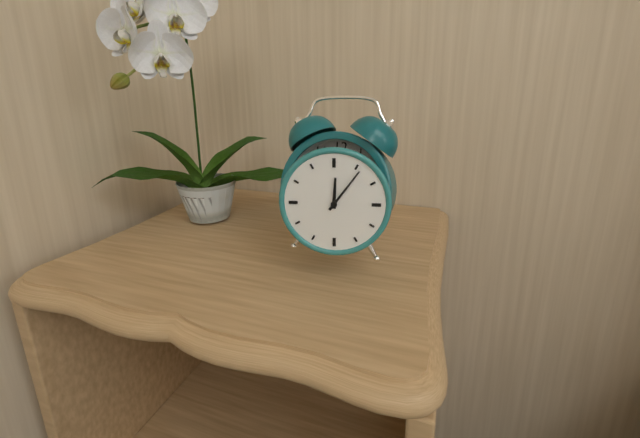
**12:06**
